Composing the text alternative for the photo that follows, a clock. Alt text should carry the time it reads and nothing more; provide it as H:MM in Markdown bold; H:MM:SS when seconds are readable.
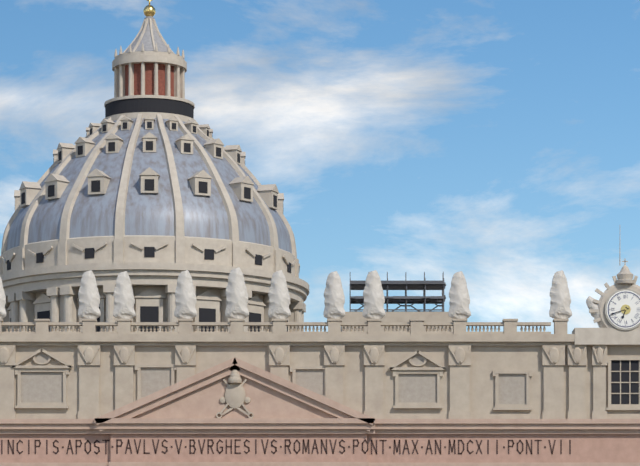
**6:42**
